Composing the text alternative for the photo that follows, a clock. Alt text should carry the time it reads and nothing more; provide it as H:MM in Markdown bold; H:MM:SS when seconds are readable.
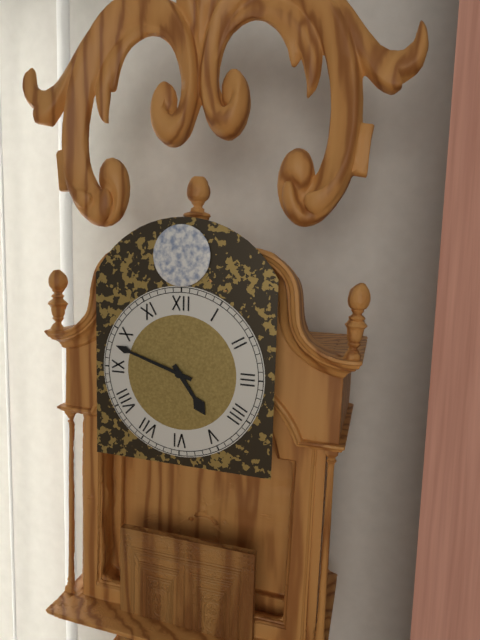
**4:48**
